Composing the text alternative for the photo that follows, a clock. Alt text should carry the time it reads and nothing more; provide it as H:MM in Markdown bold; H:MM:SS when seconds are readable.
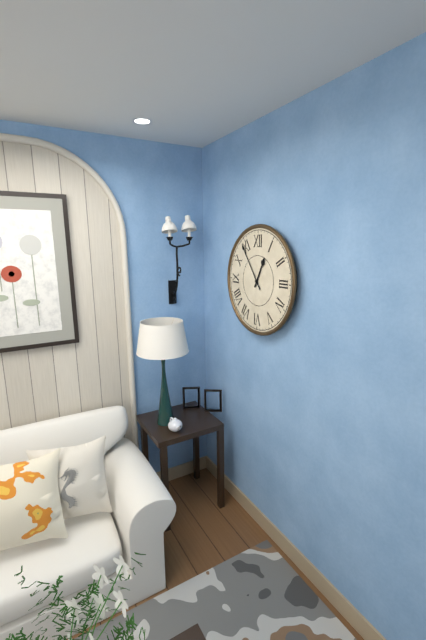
**12:54**
